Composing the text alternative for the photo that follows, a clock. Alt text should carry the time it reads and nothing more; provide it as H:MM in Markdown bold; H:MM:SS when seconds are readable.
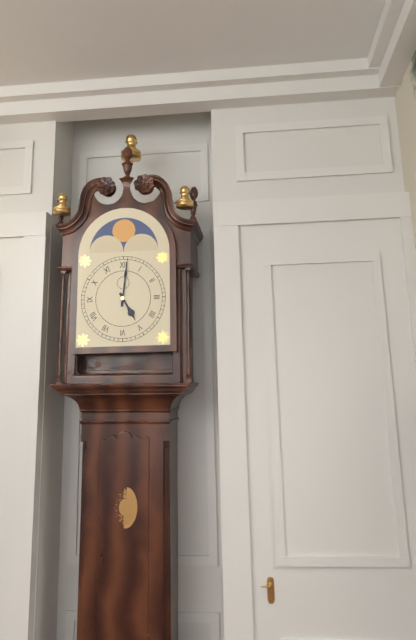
**5:01**
